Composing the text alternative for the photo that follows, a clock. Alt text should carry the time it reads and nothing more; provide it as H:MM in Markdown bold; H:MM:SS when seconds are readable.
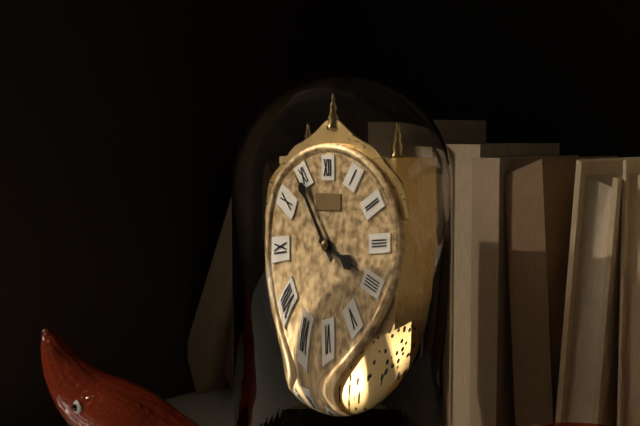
**3:54**
